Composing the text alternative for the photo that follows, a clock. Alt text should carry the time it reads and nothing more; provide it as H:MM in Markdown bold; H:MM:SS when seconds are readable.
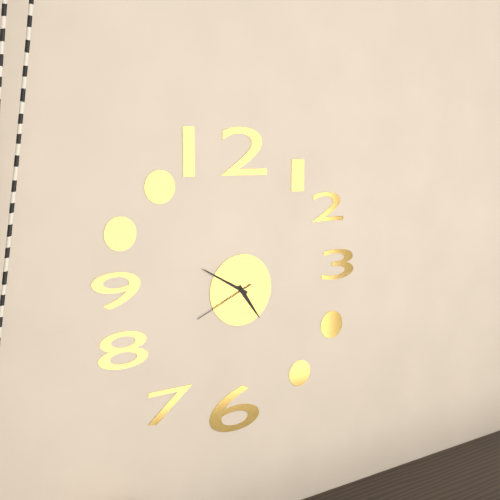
**4:50:41**
